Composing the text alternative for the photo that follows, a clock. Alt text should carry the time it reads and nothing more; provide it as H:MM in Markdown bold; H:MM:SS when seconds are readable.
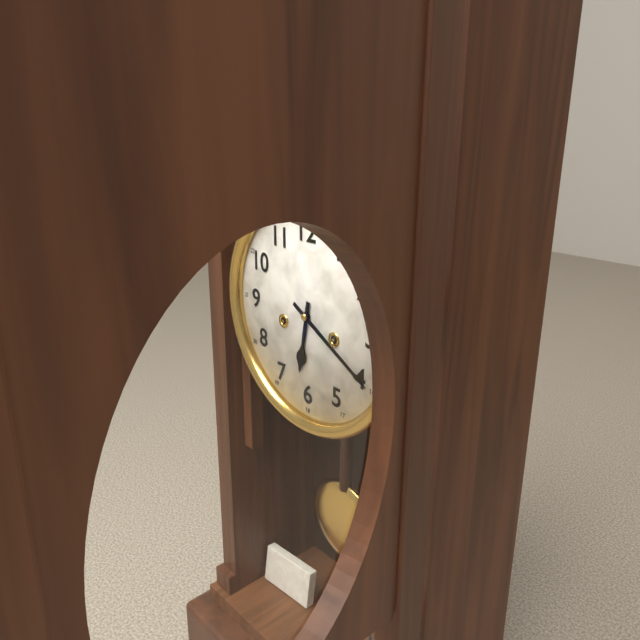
**6:20**
